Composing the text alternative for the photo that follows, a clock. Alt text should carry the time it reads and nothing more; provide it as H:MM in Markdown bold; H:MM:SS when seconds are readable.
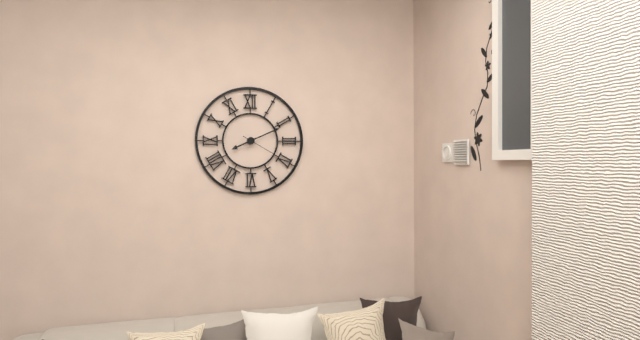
**8:11**
